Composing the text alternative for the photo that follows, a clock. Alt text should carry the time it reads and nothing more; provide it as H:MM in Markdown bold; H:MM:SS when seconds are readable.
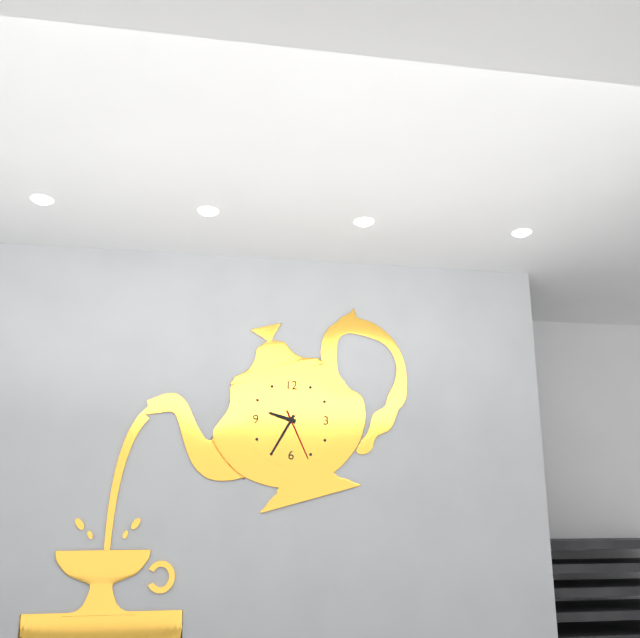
**9:35:26**
